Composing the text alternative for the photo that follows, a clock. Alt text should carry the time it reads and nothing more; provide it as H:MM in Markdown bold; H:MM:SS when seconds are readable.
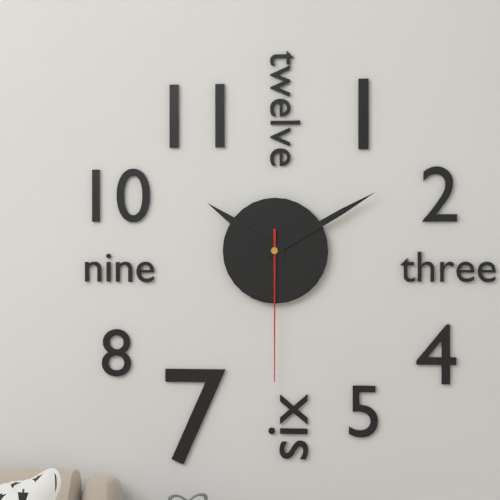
**10:10:30**
